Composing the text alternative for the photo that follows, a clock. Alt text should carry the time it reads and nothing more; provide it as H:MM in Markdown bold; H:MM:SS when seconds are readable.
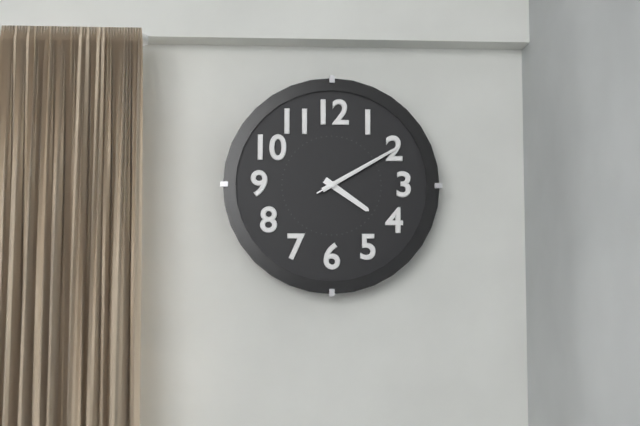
**4:10:10**
